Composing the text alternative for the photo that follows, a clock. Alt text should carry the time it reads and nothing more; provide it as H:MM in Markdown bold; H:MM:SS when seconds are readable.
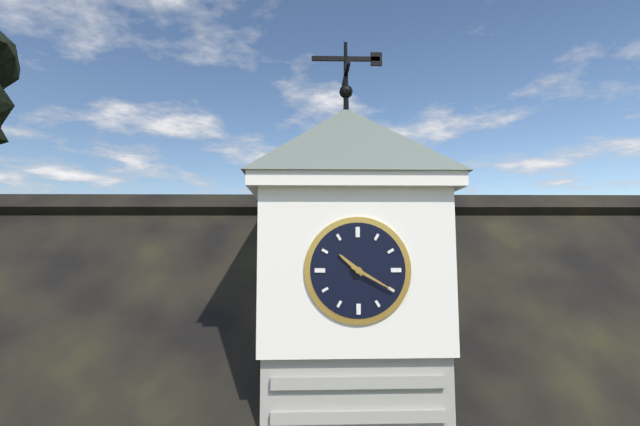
**10:20**
